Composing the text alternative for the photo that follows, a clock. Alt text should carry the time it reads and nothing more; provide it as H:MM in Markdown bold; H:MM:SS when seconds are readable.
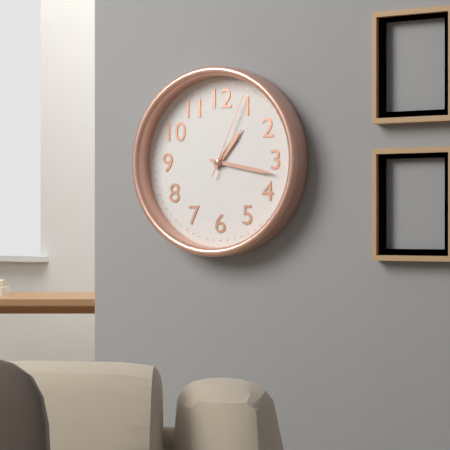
**1:17:04**
